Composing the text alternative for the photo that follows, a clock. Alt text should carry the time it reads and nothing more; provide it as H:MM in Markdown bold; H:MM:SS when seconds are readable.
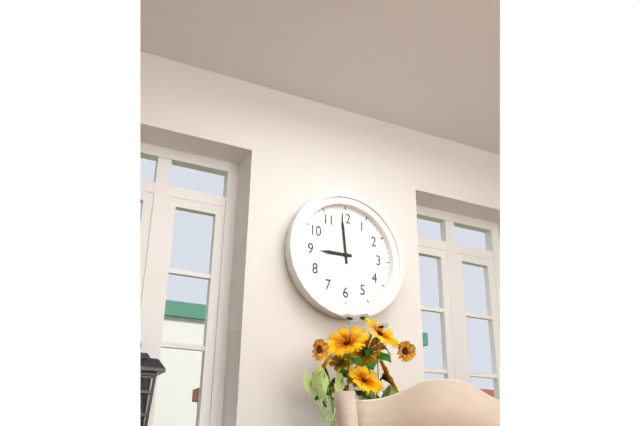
**8:59**
